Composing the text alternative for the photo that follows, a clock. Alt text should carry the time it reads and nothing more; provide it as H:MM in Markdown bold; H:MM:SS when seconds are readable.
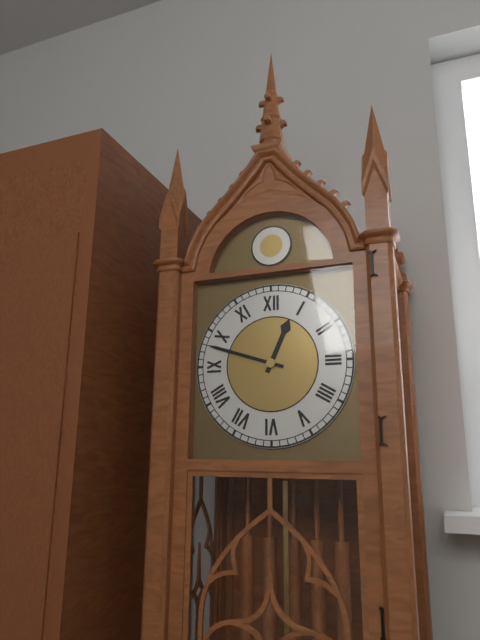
**12:48**
